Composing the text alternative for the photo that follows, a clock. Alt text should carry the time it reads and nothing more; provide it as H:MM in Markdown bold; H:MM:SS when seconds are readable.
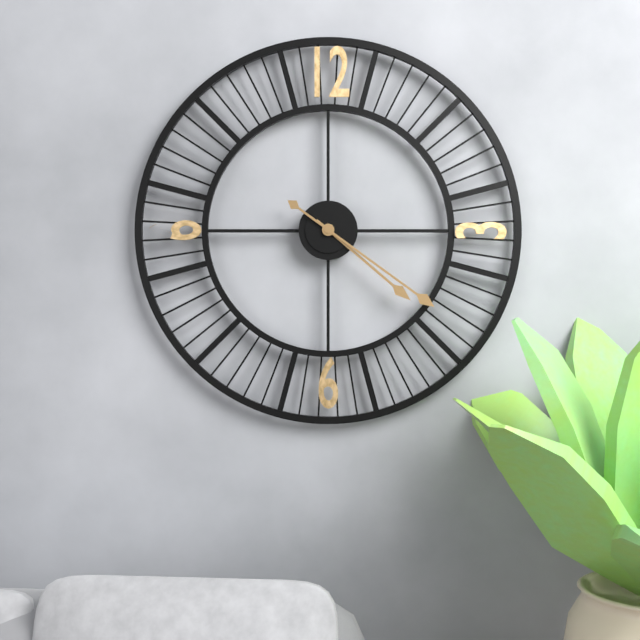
**4:21**
